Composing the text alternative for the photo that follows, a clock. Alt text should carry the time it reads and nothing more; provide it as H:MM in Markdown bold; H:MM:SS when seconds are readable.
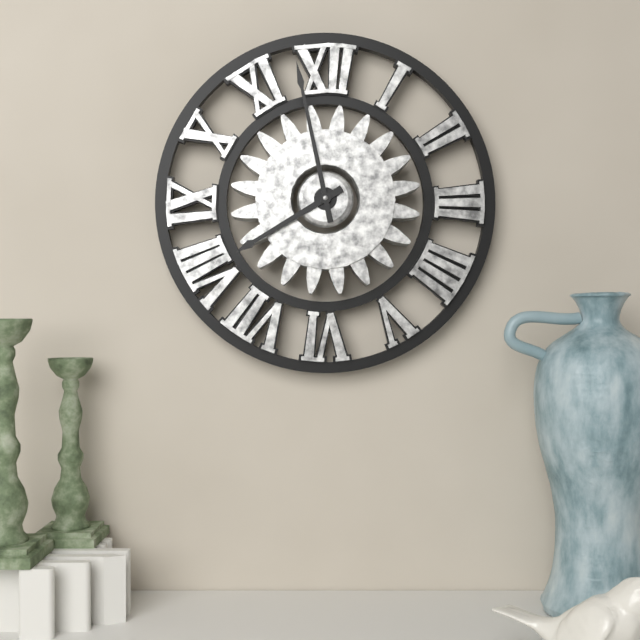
**7:58**
